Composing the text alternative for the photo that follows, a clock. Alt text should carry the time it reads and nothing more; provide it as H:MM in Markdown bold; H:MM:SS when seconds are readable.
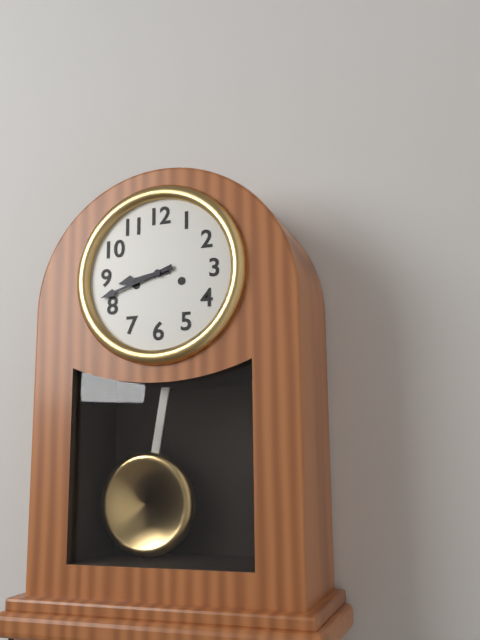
**8:42**
